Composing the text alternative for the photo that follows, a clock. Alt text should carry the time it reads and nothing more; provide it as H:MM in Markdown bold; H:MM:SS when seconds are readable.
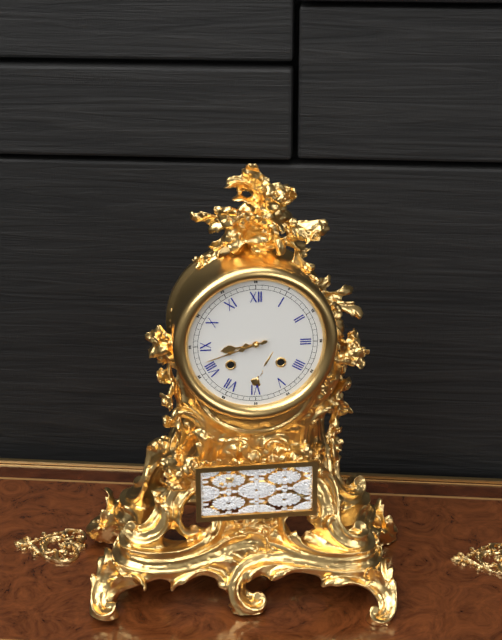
**8:42**
